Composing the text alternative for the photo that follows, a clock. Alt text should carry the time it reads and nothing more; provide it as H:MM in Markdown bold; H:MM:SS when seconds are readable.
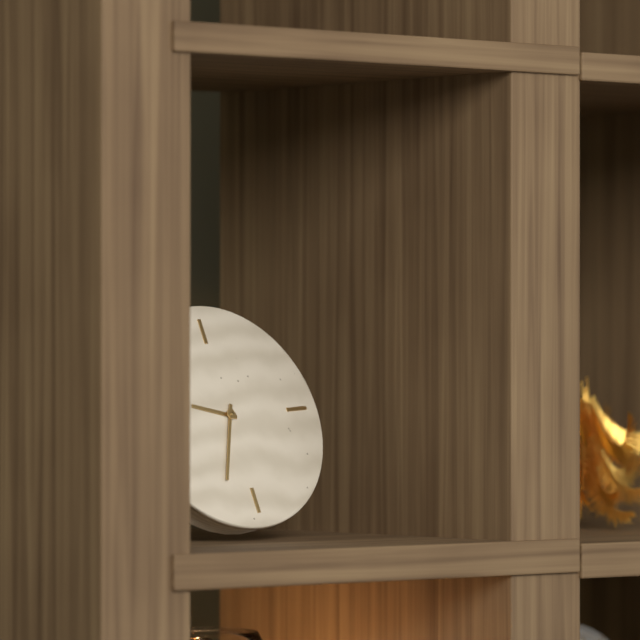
**9:34**
